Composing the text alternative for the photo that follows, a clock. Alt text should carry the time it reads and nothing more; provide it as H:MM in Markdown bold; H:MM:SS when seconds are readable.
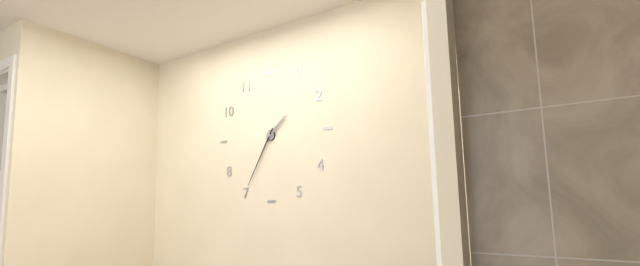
**1:35**
